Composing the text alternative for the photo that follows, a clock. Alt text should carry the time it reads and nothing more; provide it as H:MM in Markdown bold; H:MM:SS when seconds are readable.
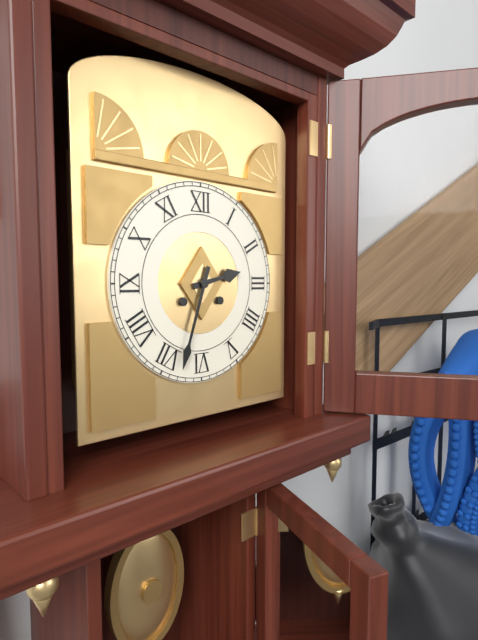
**2:33**
